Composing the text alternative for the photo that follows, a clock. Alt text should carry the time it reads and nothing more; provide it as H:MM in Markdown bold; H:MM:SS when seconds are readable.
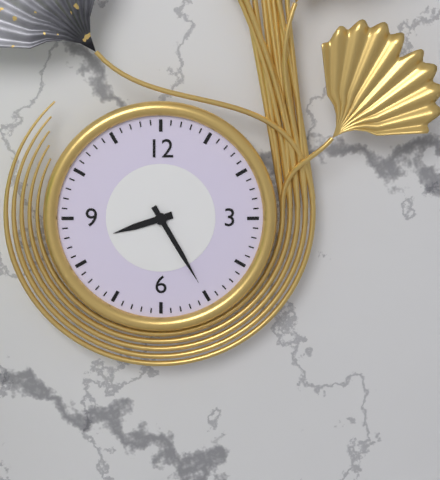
**8:25**
